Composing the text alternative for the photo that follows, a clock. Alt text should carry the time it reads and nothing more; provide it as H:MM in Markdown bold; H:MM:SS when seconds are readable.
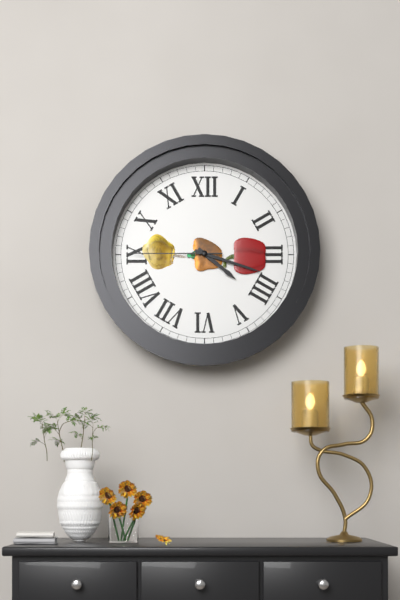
**4:18:45**
